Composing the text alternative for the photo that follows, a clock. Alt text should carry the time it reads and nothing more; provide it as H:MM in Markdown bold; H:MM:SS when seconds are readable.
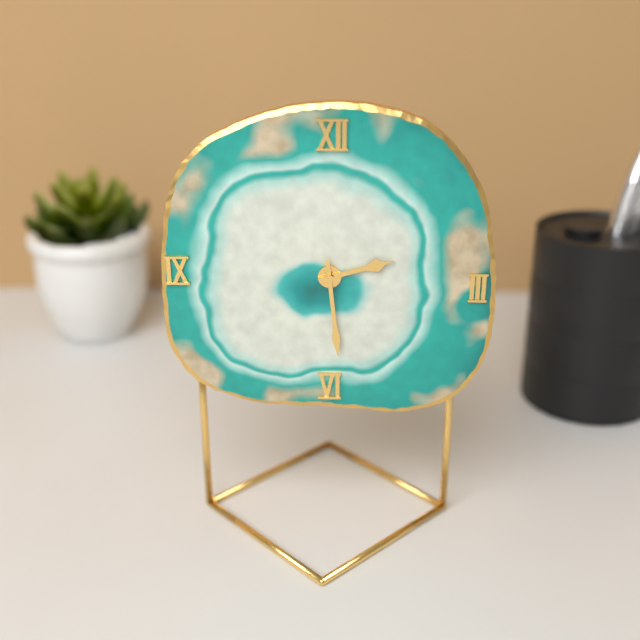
**2:29**
